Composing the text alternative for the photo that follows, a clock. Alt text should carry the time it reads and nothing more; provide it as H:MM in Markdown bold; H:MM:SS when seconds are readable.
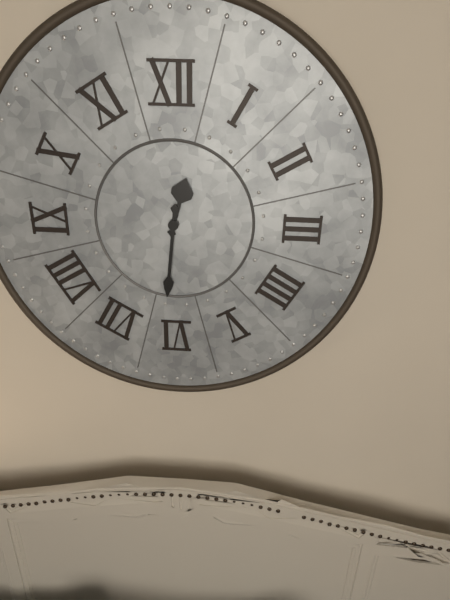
**12:31**
